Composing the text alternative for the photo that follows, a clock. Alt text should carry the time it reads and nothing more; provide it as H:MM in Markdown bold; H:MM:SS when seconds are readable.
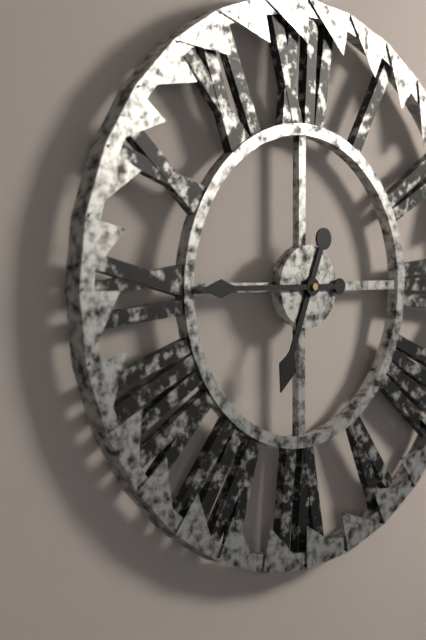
**6:45**
